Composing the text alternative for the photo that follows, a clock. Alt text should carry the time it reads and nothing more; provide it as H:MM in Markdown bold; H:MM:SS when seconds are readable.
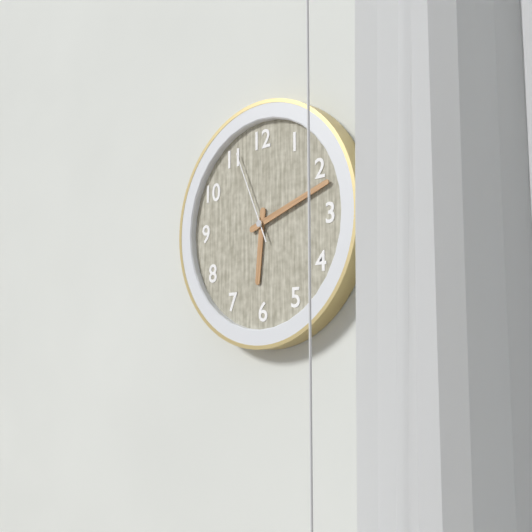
**6:12:56**
